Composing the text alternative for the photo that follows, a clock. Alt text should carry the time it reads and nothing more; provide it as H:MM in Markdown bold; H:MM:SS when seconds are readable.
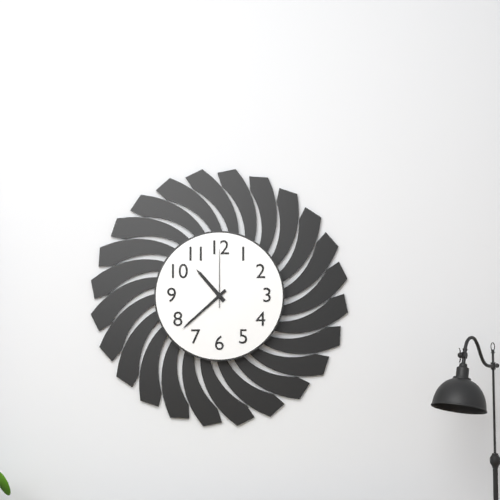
**10:38:00**
